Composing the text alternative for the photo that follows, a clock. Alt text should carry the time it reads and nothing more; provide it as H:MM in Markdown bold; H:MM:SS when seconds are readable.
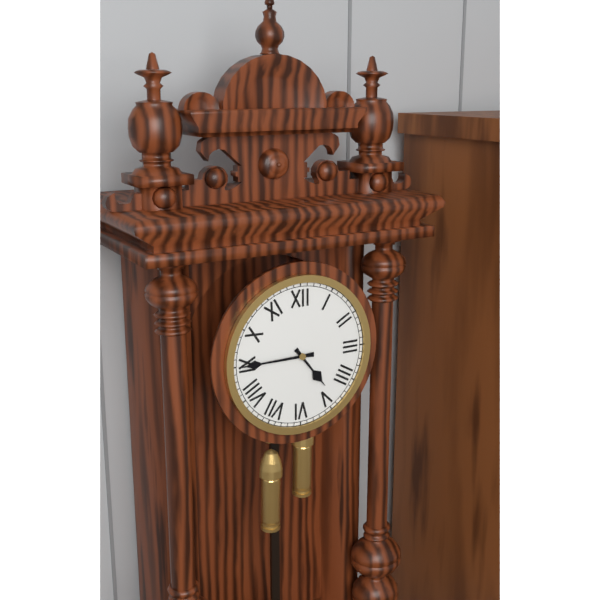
**4:45**
